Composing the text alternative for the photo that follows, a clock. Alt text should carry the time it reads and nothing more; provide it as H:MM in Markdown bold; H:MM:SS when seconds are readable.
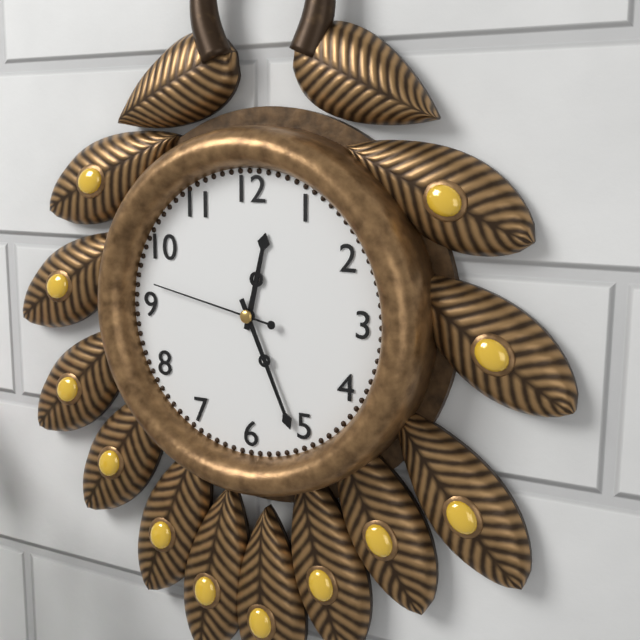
**12:26:47**
